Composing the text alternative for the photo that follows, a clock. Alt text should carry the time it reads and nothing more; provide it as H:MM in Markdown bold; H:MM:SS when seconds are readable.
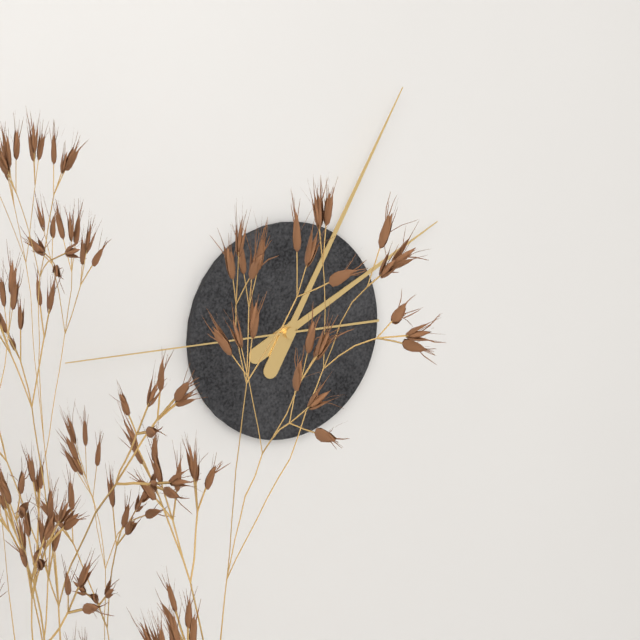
**2:05:45**
